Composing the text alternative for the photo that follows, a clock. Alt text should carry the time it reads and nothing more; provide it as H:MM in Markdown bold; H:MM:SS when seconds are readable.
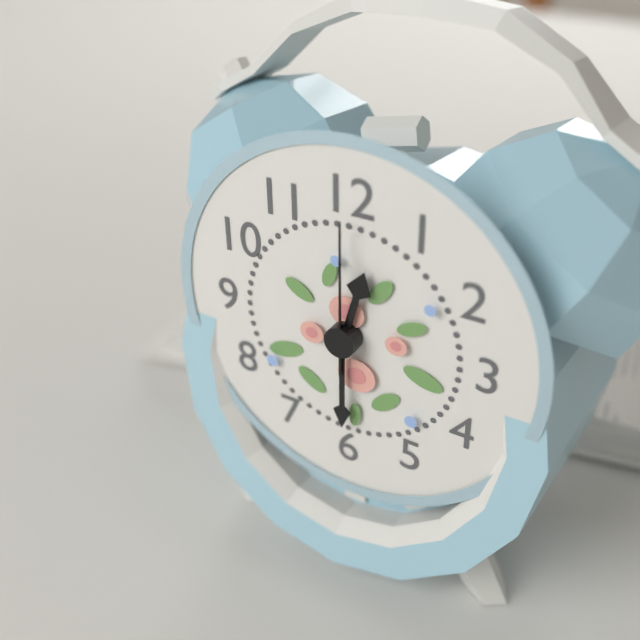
**12:30:00**
